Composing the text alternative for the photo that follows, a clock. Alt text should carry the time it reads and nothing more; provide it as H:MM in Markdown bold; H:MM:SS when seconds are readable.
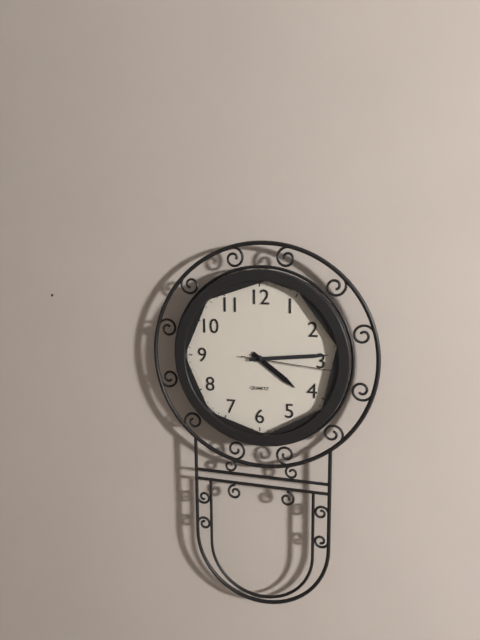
**4:14:16**
